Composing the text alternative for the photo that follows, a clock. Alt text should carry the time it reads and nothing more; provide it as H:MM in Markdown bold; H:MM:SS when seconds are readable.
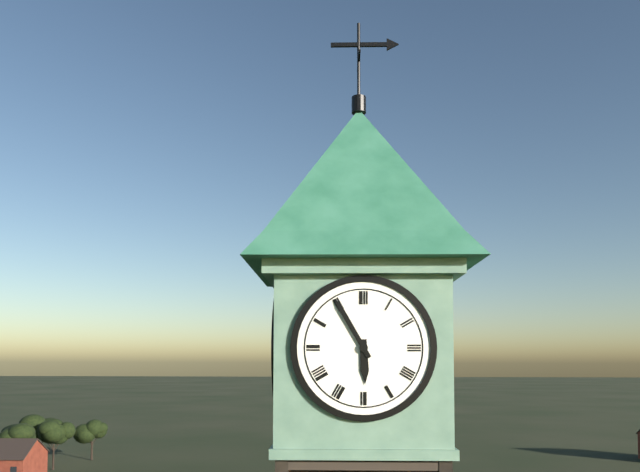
**5:55**
